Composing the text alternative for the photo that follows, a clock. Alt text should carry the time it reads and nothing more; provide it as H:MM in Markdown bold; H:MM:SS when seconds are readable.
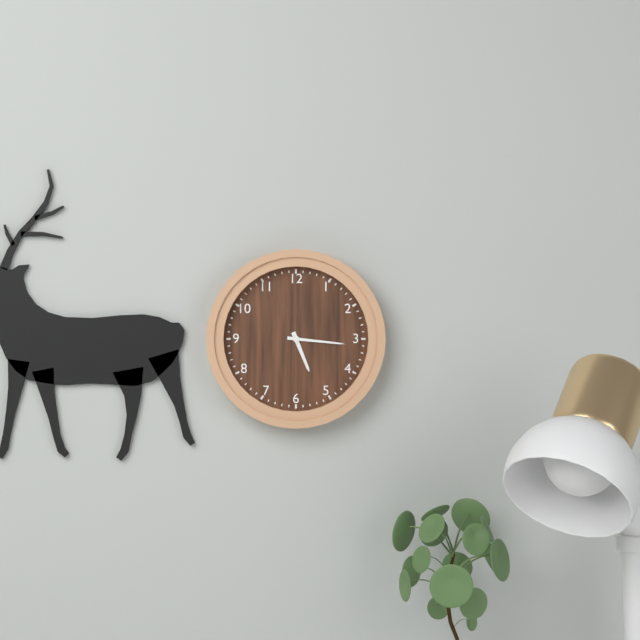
**5:16**
